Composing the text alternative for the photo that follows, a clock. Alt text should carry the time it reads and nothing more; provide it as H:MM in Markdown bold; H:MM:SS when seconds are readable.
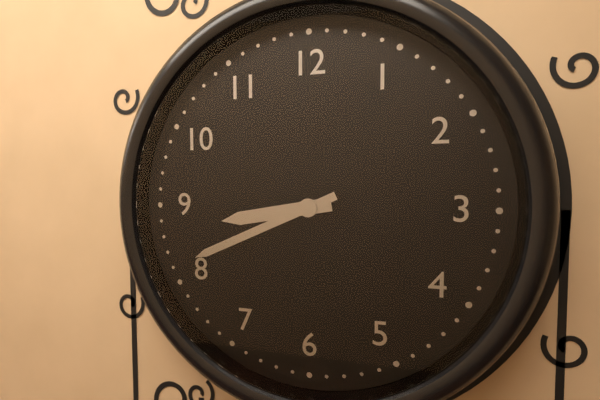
**8:41**
